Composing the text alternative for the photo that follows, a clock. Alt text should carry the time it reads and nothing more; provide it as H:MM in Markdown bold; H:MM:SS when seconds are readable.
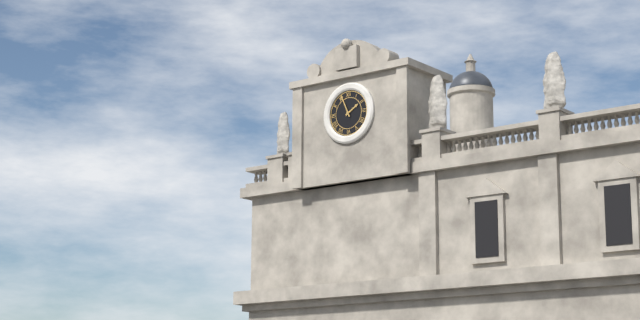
**1:56**
